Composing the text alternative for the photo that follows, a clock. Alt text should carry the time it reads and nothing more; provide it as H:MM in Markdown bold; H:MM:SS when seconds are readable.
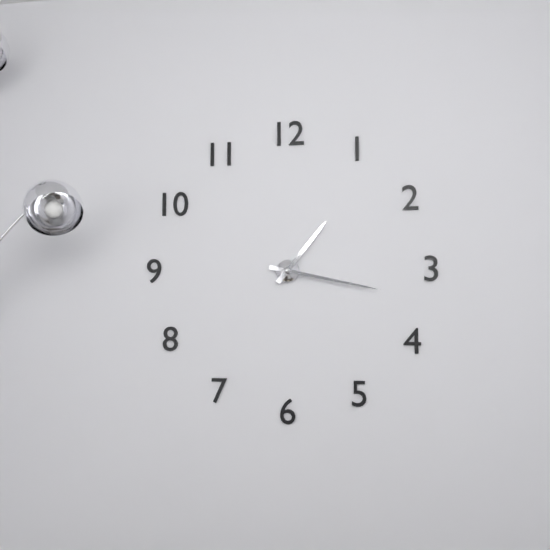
**1:17**
